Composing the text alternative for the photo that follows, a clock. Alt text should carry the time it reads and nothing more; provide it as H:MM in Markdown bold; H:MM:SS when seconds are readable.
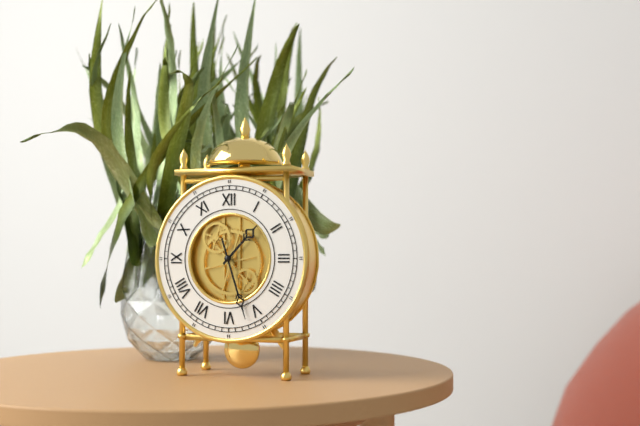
**1:27**
